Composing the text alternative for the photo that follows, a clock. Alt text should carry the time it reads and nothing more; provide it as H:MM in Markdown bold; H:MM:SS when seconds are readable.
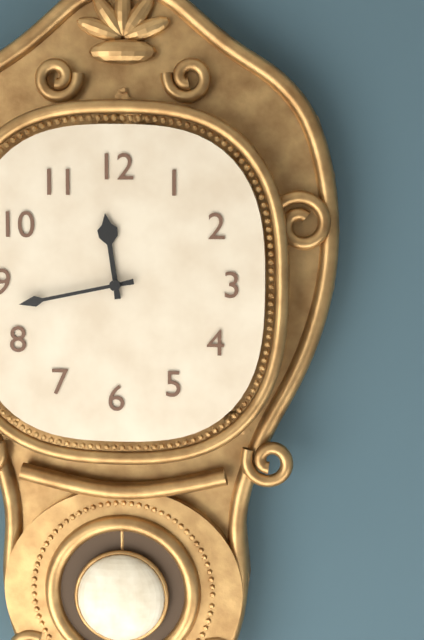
**11:43**
